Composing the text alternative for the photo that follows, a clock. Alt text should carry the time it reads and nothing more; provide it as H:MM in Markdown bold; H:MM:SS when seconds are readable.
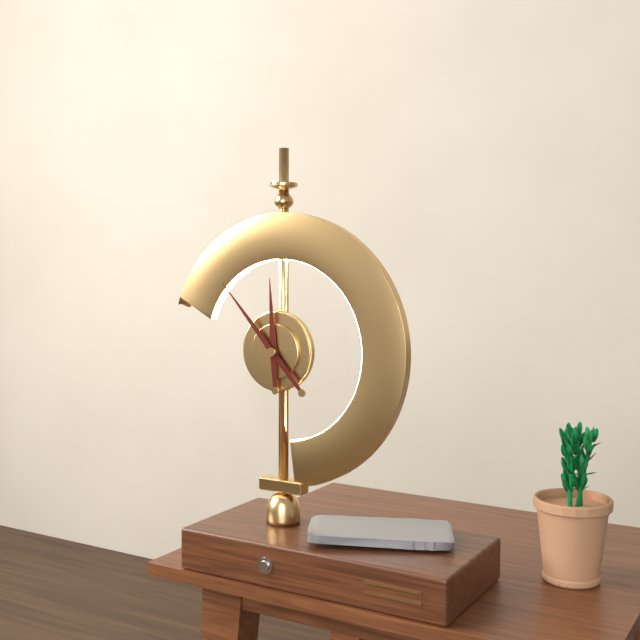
**11:53**
